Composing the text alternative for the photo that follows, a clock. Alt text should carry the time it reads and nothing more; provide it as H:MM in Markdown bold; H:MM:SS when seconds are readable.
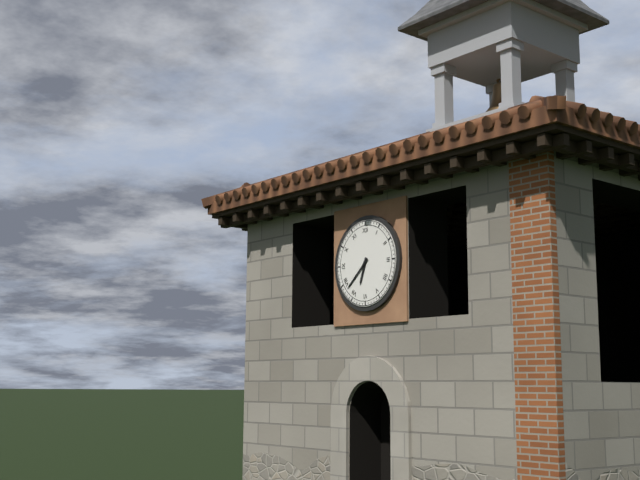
**6:38**
